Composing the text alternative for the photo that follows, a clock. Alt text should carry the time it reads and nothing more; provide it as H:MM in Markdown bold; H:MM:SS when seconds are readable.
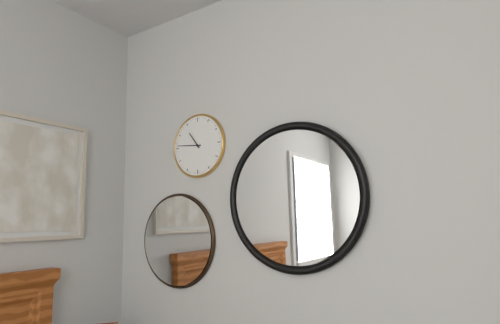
**10:46**
